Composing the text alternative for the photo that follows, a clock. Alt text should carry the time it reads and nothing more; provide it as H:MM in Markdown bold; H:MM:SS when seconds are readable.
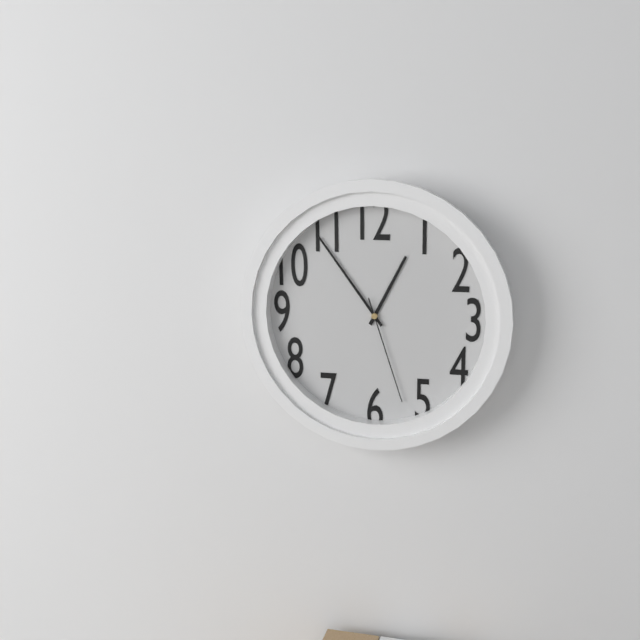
**12:54:27**
